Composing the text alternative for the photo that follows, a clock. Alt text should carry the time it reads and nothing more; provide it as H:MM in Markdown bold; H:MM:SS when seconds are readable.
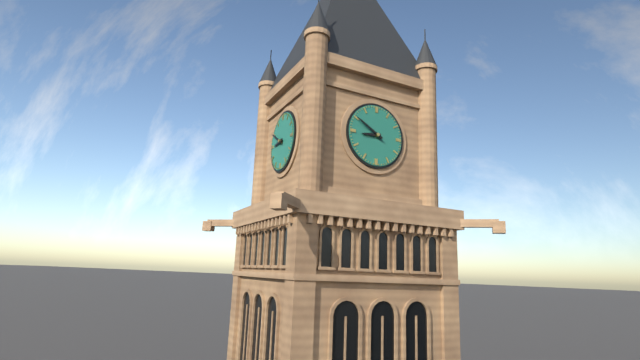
**8:50**
